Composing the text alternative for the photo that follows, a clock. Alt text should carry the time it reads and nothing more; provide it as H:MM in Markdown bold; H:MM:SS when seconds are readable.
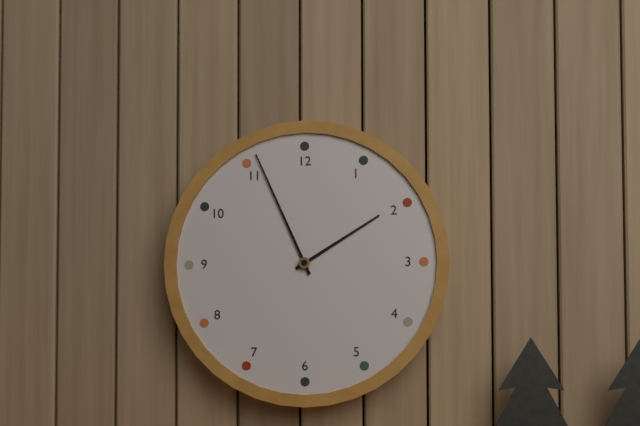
**1:56**
